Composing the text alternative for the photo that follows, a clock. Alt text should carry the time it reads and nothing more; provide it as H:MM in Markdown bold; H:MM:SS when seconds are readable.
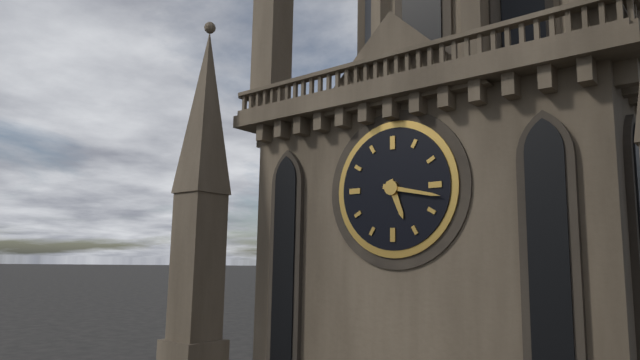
**5:17**
